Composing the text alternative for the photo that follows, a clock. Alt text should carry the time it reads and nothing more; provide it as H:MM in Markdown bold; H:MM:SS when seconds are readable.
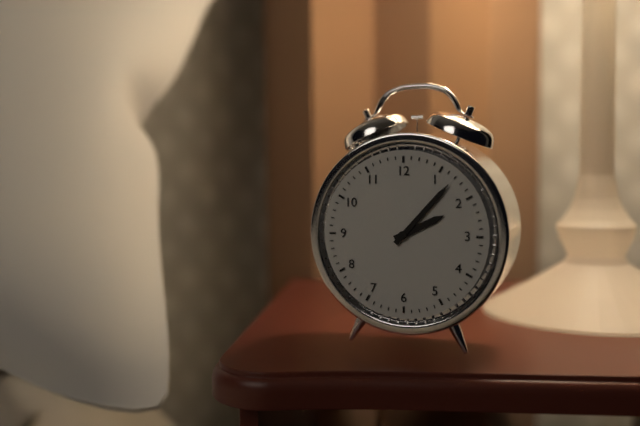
**2:07**
